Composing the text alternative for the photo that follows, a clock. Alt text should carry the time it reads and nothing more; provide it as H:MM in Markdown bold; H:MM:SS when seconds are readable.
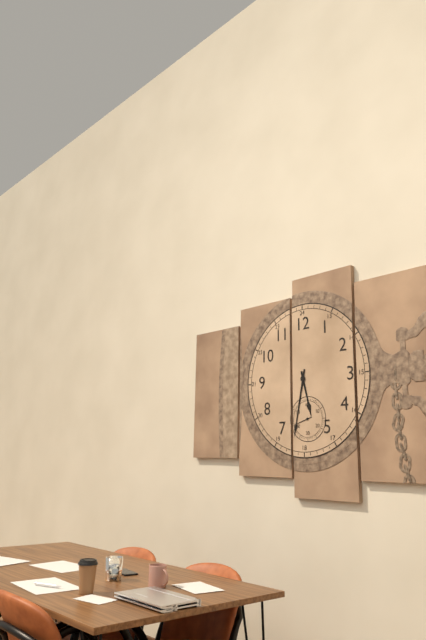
**5:32**
